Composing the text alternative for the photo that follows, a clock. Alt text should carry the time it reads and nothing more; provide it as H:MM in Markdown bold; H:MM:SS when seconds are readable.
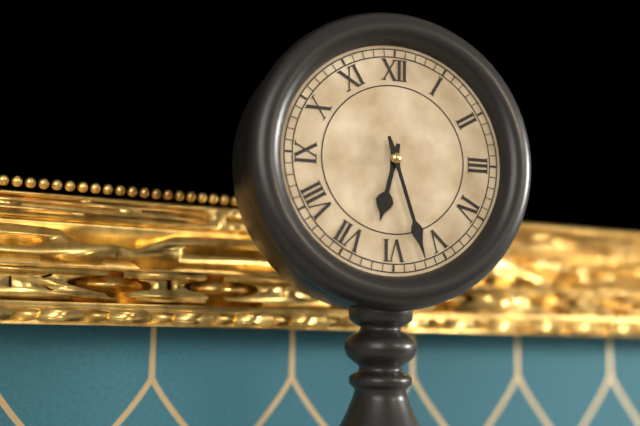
**6:27**
